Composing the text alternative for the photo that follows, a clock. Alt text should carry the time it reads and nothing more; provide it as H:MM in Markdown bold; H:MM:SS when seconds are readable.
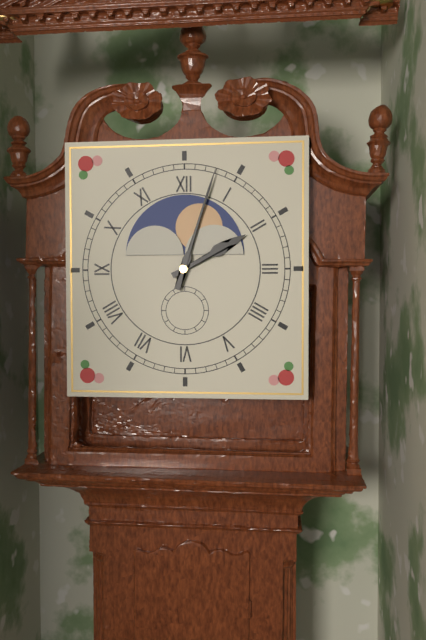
**2:03**
